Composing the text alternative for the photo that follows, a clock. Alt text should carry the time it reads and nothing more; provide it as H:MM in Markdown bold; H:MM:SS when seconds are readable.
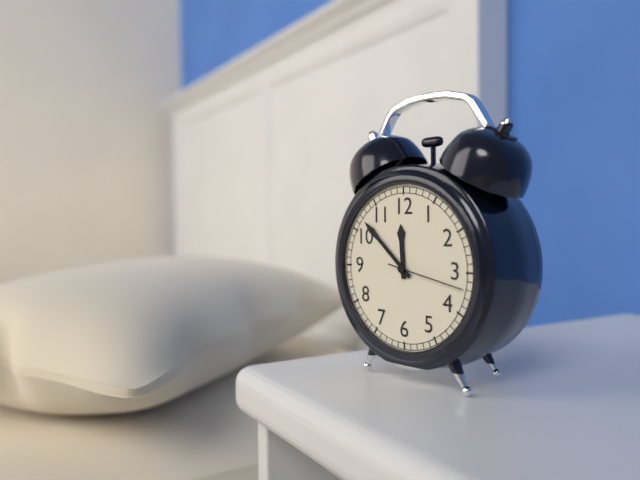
**11:52:17**
